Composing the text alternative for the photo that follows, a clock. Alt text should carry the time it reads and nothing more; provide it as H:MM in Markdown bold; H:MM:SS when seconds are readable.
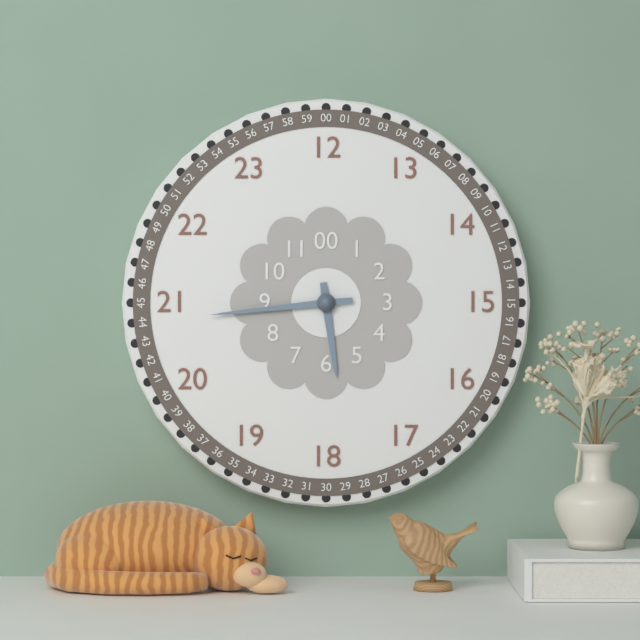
**5:44**
